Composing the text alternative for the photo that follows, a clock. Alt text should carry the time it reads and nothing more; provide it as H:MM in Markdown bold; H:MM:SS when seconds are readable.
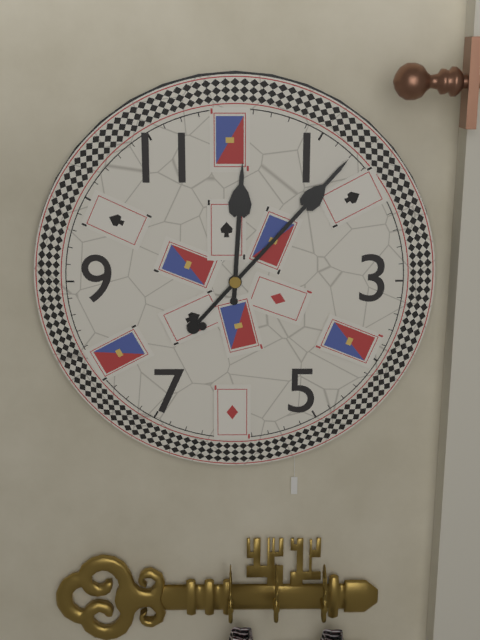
**12:07**
